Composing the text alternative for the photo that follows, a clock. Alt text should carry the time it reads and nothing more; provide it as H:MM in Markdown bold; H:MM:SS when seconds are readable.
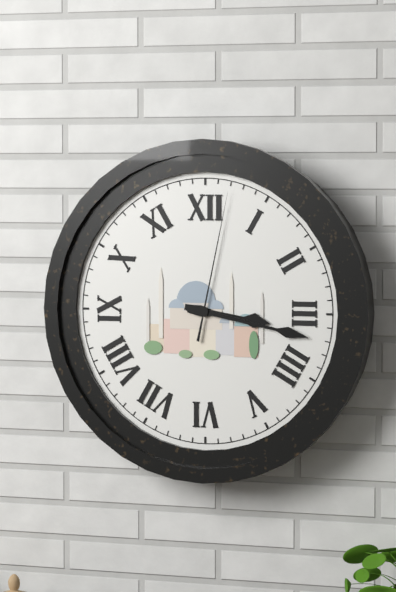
**3:17:02**
